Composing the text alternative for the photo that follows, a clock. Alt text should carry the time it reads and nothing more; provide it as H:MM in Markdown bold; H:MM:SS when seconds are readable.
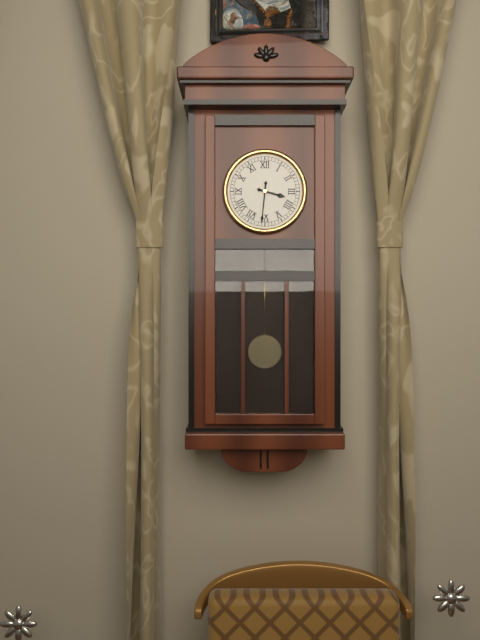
**3:31**
